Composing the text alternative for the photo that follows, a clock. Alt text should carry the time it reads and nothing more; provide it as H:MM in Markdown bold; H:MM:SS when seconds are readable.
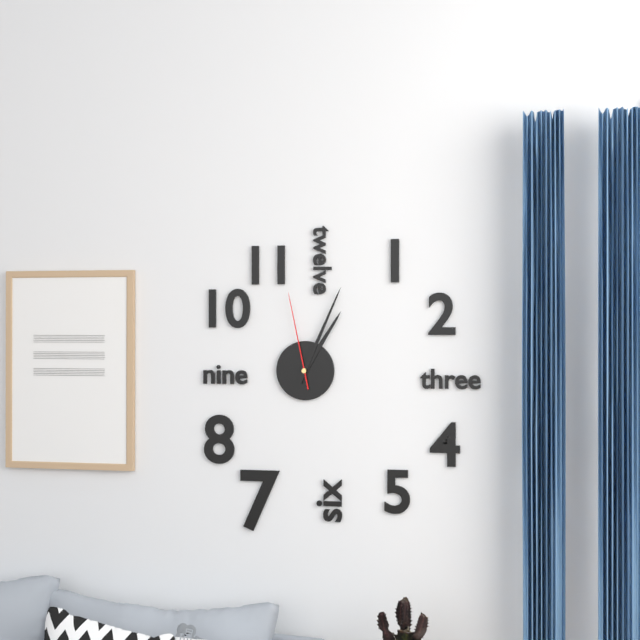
**1:04:58**
